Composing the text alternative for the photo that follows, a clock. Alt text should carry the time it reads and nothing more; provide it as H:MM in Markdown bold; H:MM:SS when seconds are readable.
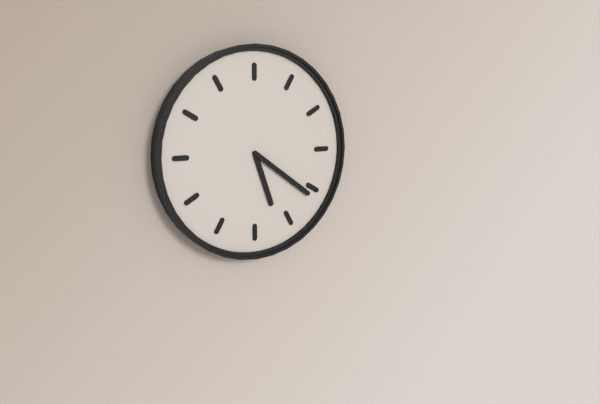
**5:21**
